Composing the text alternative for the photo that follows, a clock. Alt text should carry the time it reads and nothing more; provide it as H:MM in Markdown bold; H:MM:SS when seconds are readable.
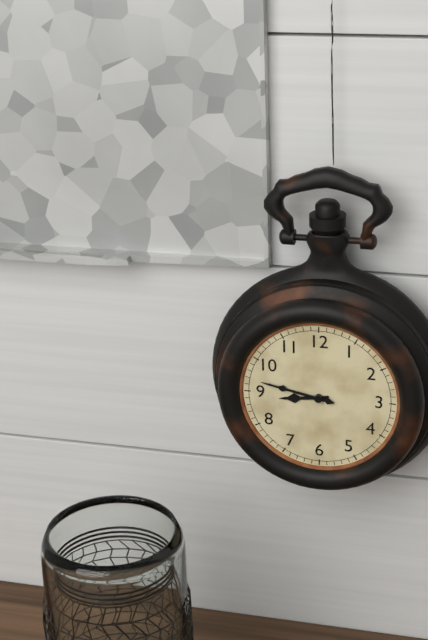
**8:47**
